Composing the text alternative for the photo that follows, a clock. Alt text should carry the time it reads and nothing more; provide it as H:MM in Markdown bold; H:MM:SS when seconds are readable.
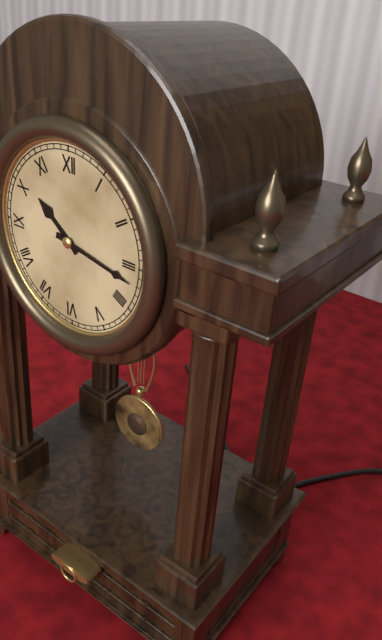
**10:17**
